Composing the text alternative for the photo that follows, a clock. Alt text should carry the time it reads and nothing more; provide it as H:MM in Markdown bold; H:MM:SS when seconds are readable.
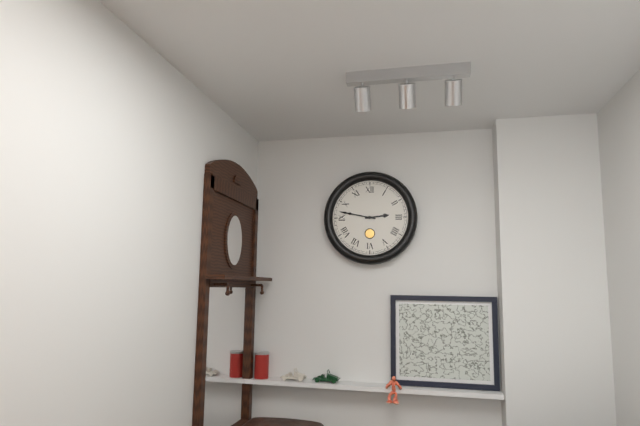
**2:47**
